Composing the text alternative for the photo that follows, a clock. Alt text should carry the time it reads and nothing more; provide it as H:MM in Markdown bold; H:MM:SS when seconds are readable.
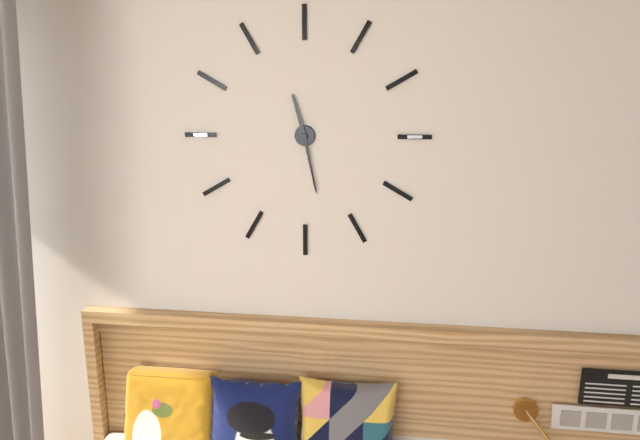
**11:28**
